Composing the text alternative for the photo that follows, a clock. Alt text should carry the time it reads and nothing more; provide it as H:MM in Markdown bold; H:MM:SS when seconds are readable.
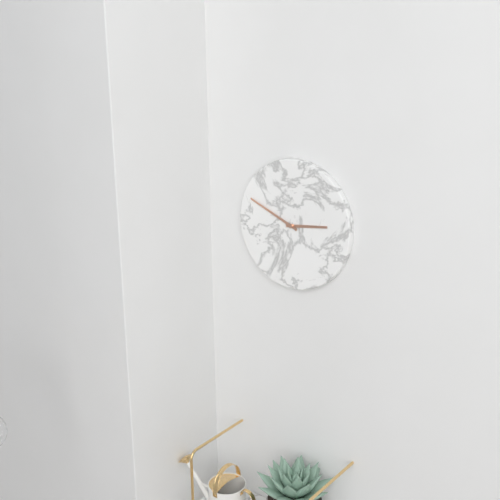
**2:49**
